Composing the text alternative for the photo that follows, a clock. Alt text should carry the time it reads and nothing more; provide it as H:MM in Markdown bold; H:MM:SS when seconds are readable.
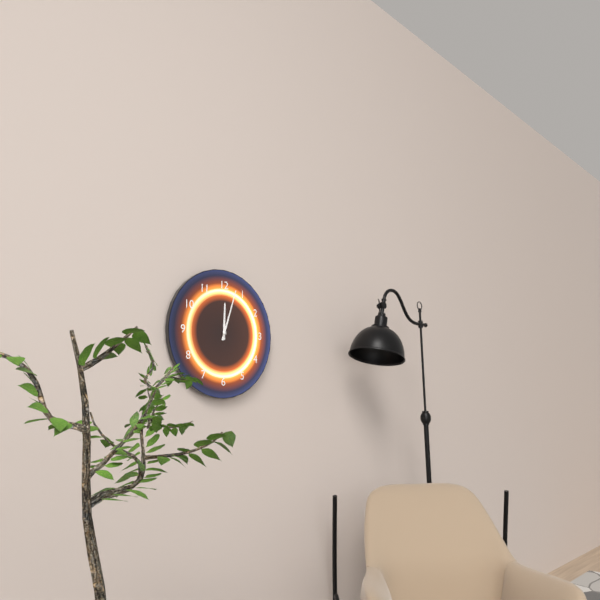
**12:03**
